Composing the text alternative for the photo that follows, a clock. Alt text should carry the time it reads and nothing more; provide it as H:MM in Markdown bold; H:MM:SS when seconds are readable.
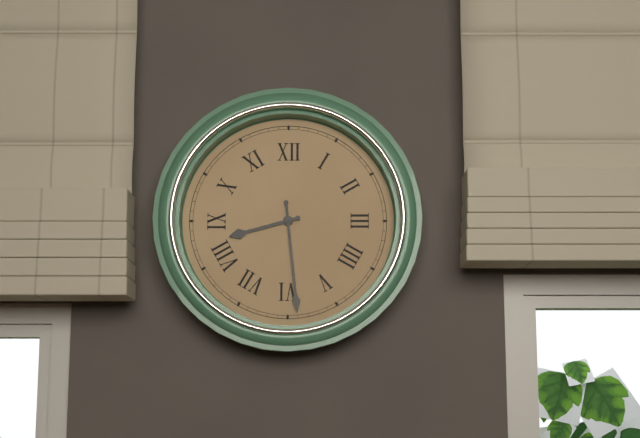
**8:29**
